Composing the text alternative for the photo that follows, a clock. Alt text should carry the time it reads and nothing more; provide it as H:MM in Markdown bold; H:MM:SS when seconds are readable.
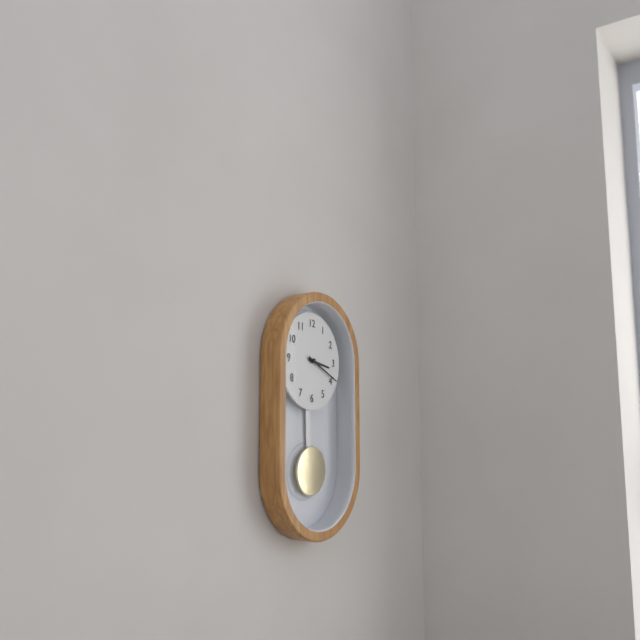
**3:19**
